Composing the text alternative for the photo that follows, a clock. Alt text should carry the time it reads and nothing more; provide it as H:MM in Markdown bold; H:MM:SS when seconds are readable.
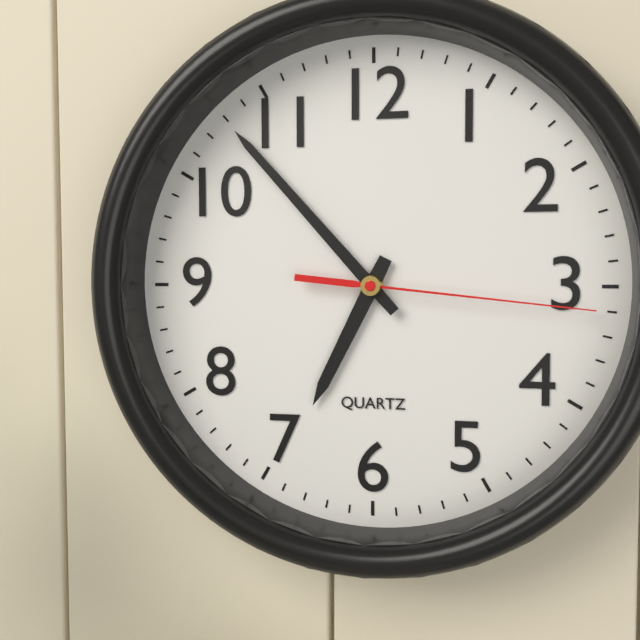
**6:53:16**
